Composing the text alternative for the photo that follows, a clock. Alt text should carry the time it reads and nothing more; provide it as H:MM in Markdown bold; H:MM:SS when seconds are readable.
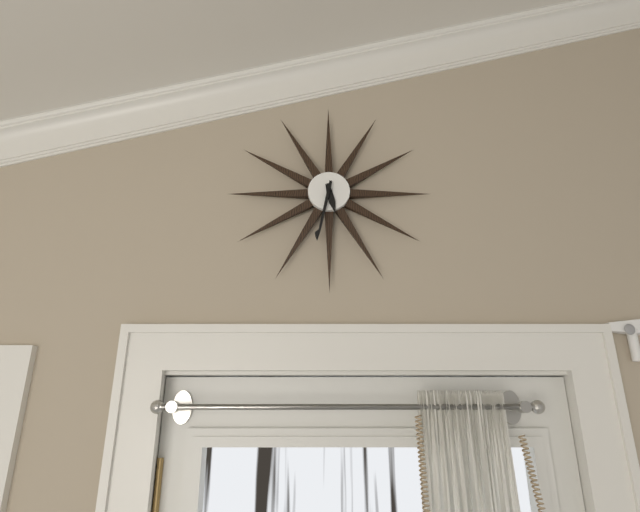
**5:32**
